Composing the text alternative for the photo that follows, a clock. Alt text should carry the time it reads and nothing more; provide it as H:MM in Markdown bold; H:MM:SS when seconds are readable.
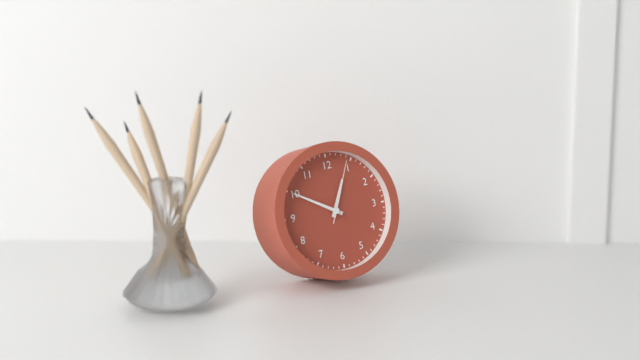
**12:50:04**
